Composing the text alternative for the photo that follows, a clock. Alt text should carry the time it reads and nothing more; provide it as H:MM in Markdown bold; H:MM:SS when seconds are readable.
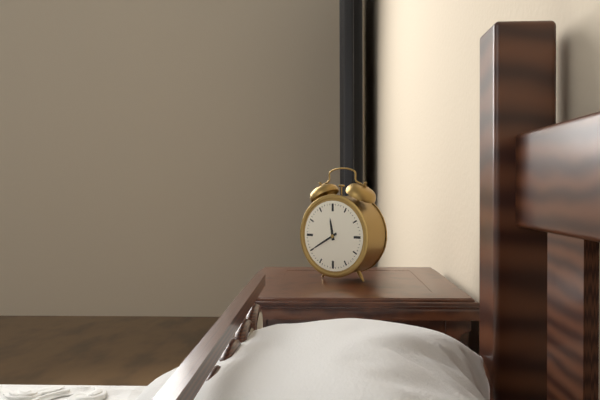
**11:40**
